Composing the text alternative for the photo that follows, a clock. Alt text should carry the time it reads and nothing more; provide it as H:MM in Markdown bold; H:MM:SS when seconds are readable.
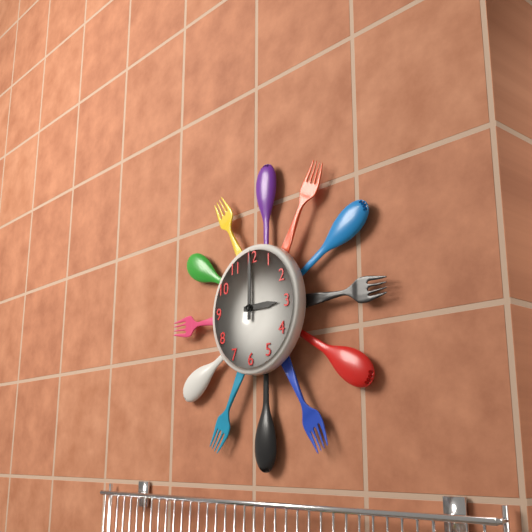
**3:00**
